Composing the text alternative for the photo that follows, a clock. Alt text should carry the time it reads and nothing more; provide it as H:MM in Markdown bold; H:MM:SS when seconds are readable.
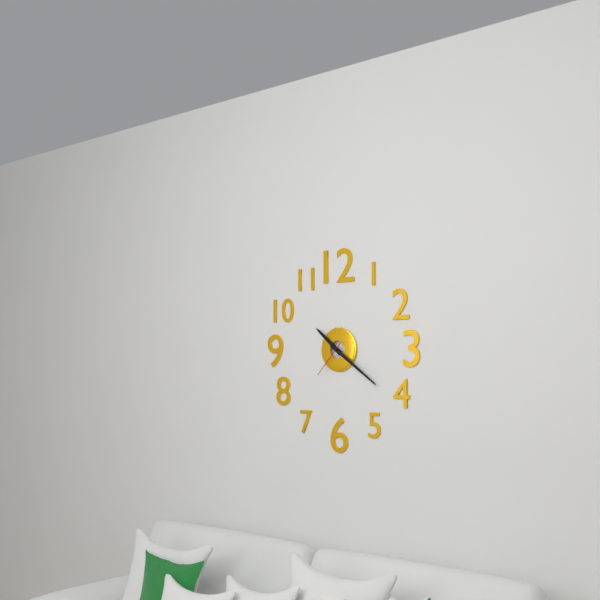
**10:21**
